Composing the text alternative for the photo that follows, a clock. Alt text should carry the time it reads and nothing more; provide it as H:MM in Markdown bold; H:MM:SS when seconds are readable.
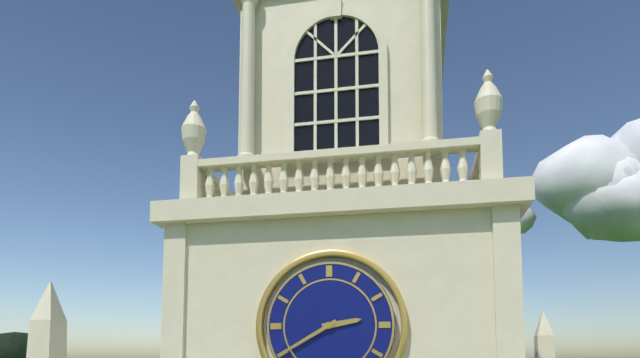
**2:40**
